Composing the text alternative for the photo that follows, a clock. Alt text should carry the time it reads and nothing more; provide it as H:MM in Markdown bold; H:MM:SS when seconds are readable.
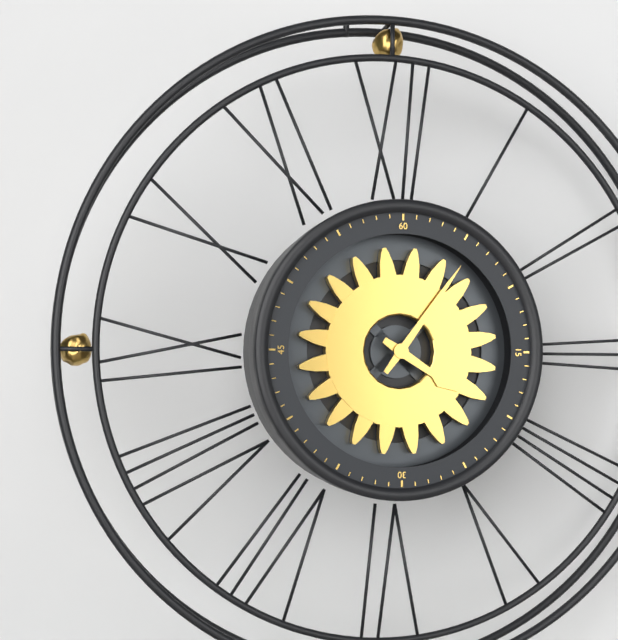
**4:06**
